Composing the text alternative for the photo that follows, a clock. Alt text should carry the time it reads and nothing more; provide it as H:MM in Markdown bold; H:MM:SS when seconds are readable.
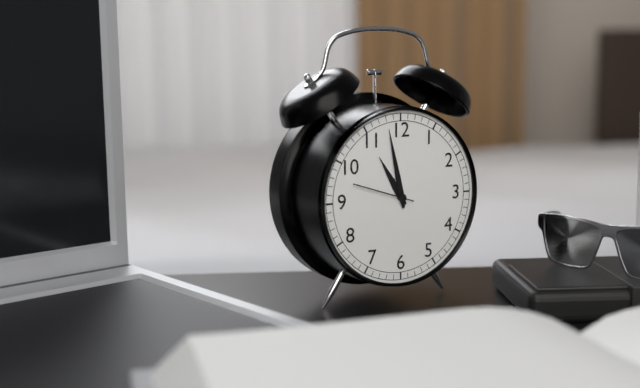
**10:58:48**
